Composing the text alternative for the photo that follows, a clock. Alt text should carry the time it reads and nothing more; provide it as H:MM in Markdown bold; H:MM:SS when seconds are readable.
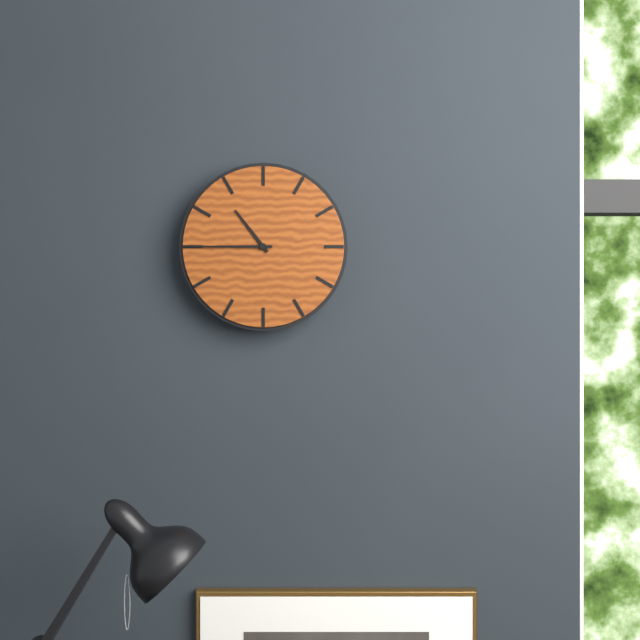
**10:45**
